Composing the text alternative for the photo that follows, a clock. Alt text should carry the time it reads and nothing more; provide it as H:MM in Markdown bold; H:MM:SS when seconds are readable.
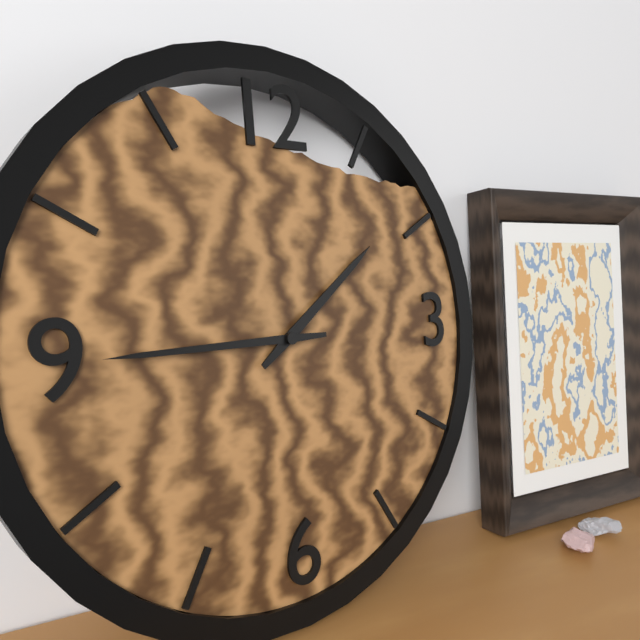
**1:45**
